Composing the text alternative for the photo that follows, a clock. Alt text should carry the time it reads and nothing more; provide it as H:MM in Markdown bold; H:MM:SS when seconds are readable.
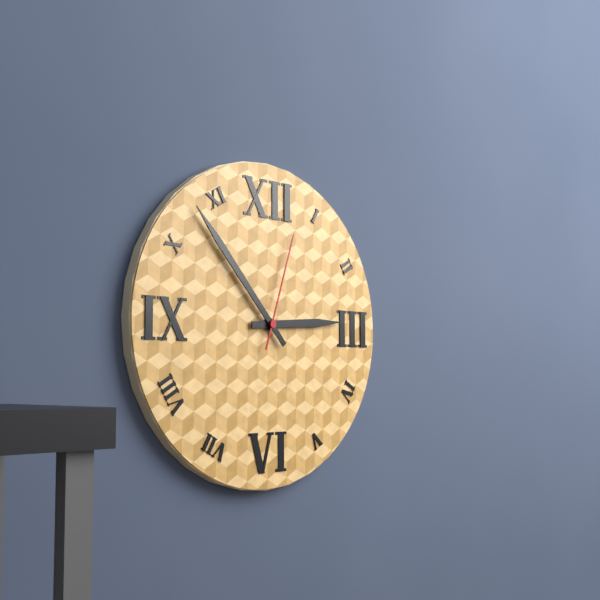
**2:53:03**
